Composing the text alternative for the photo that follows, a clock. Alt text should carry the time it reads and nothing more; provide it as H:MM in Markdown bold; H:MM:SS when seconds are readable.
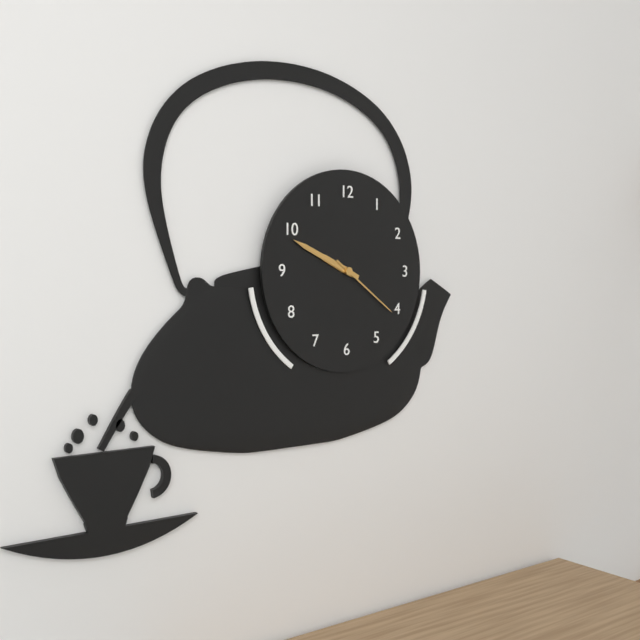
**9:49:21**
